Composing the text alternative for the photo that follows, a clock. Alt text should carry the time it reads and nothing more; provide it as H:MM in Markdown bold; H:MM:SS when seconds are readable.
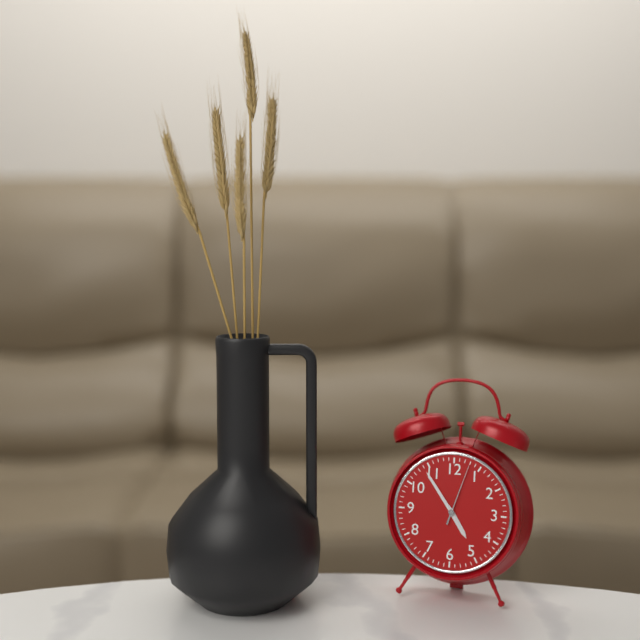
**4:54:03**
